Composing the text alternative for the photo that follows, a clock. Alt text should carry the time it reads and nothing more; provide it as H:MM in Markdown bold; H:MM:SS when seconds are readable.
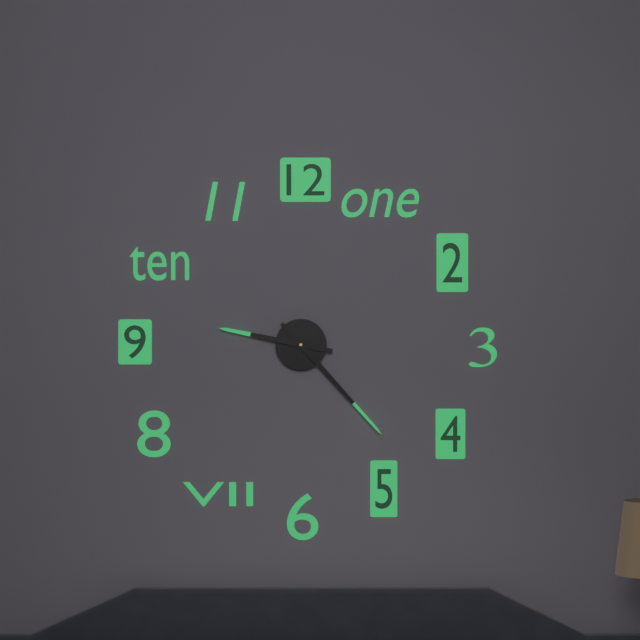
**9:23**
